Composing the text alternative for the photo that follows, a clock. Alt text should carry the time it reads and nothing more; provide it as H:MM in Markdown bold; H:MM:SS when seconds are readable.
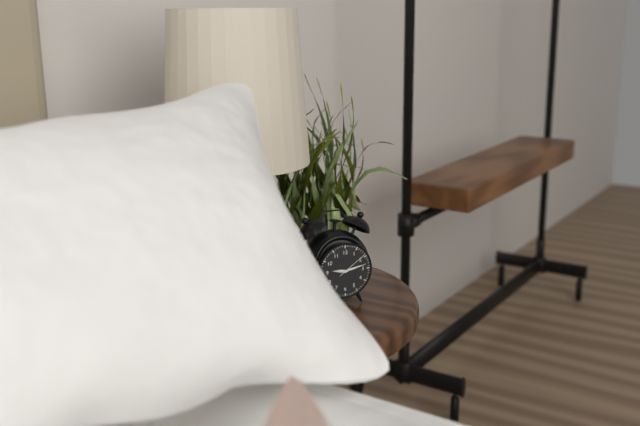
**9:13**
